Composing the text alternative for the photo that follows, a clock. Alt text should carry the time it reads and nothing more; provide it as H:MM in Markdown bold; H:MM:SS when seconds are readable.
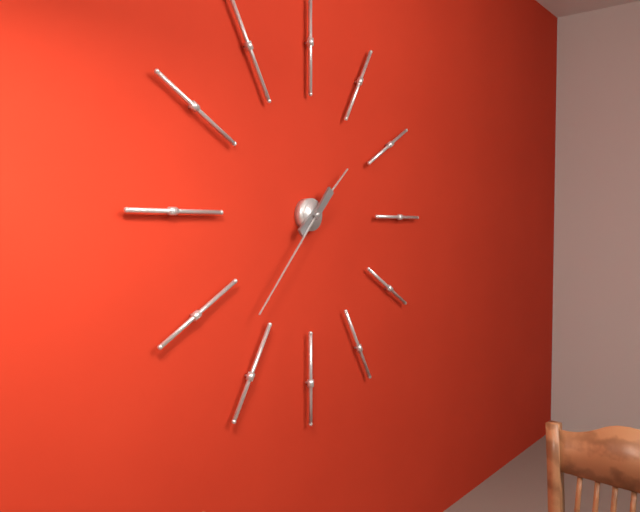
**1:37**
